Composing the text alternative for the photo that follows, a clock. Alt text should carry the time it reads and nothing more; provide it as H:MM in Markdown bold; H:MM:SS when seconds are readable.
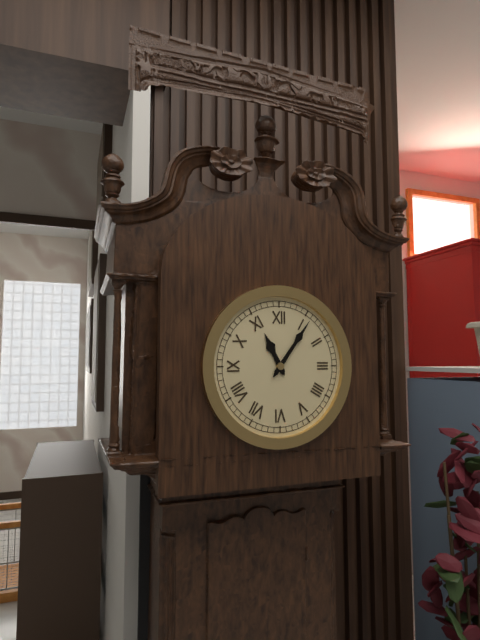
**11:06**
